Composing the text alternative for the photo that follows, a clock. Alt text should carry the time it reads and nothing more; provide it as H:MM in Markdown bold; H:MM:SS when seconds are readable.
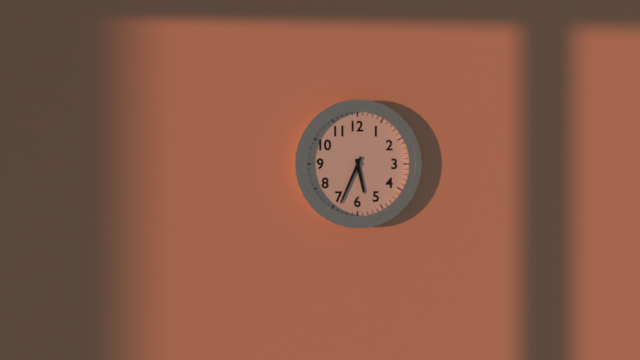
**5:34**
